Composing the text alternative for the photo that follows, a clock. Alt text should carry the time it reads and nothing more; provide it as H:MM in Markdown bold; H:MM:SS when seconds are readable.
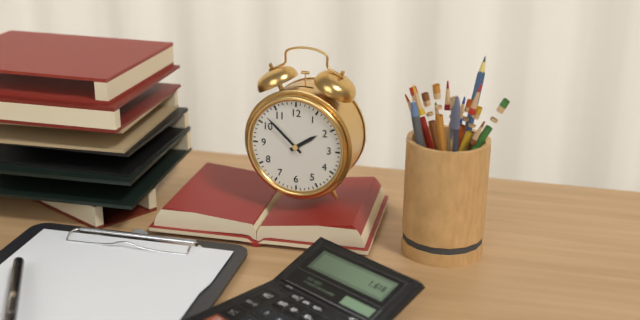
**1:52**
